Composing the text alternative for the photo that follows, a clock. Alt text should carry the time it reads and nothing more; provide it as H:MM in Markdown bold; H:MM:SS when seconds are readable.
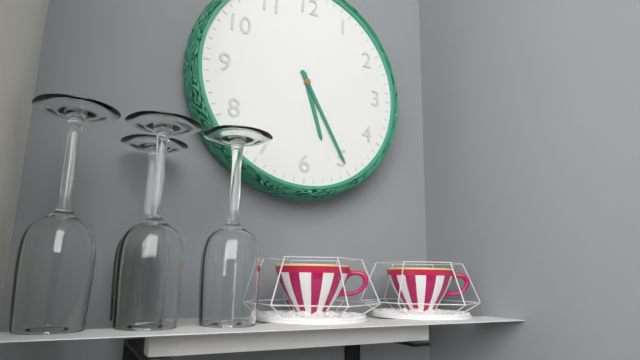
**5:25**
